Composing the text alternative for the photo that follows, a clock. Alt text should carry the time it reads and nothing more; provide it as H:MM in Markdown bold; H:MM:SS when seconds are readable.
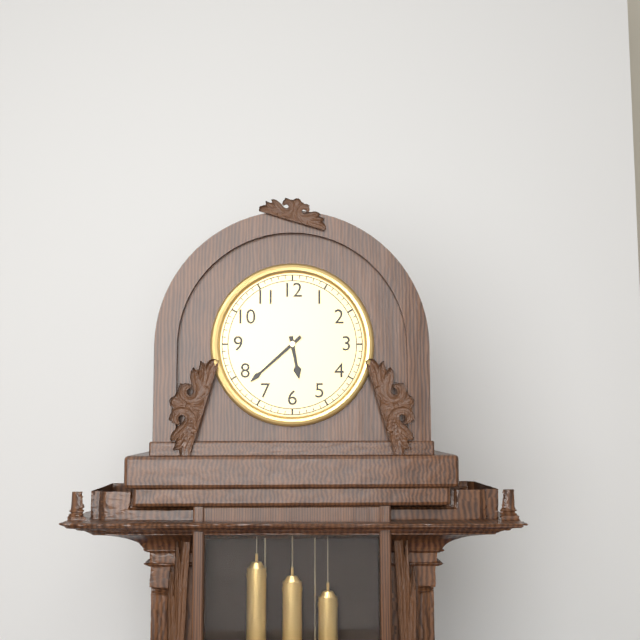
**5:38**
